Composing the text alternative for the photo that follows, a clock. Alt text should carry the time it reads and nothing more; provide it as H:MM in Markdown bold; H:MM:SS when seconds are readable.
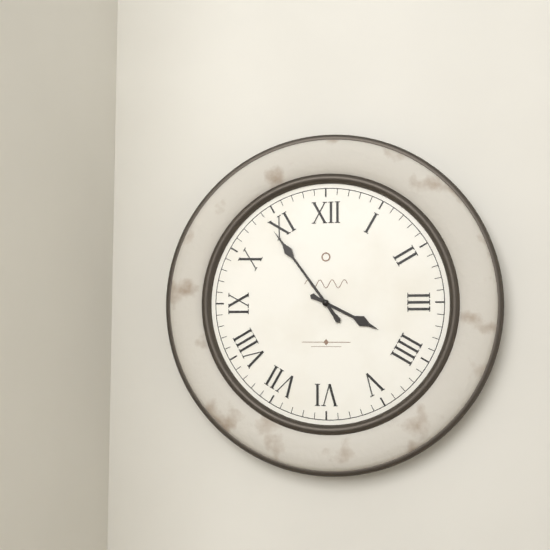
**3:54**
